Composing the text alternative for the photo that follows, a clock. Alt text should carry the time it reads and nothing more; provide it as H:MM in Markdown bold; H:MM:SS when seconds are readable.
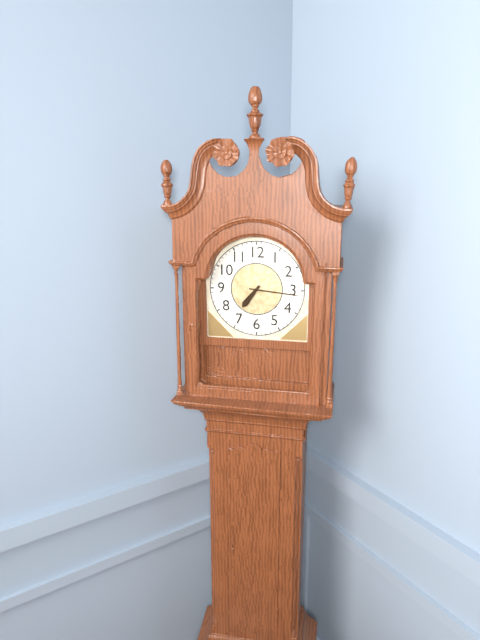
**7:16**
